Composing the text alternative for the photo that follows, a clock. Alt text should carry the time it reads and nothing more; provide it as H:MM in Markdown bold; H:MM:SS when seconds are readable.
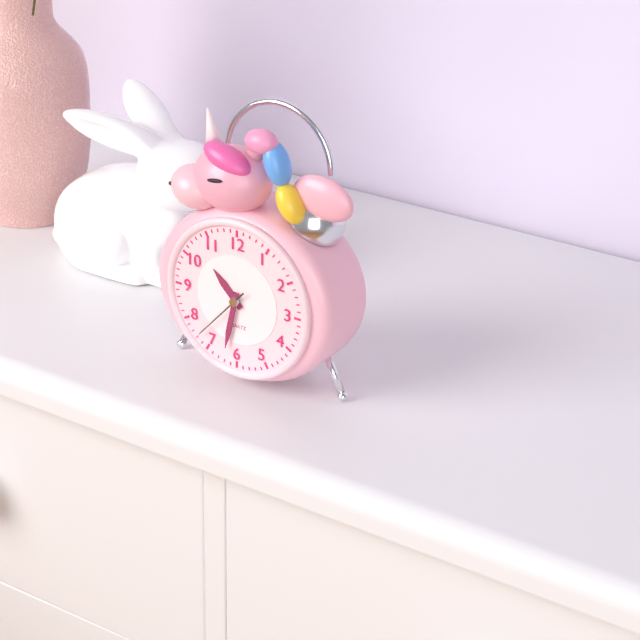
**10:32:37**
